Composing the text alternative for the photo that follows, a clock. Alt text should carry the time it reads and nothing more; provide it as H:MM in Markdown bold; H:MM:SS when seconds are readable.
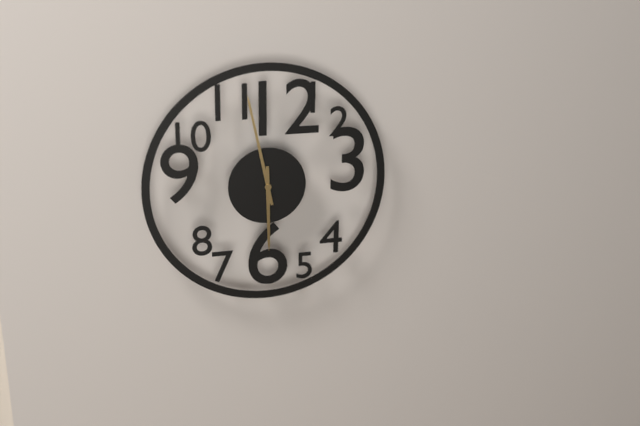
**5:58**
